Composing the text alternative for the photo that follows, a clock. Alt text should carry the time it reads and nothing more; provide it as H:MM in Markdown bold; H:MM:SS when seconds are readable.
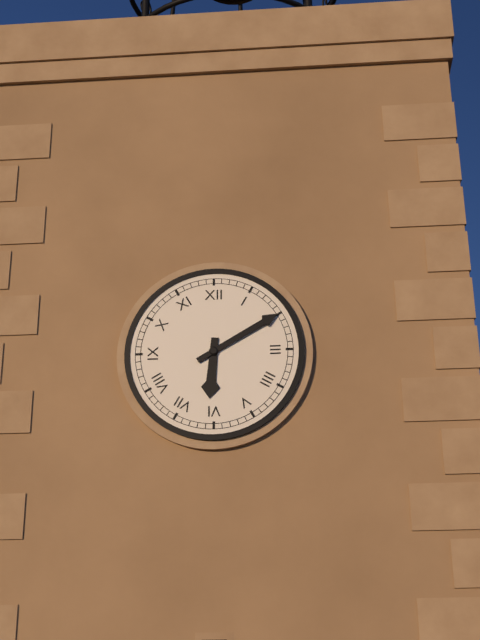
**6:10**
